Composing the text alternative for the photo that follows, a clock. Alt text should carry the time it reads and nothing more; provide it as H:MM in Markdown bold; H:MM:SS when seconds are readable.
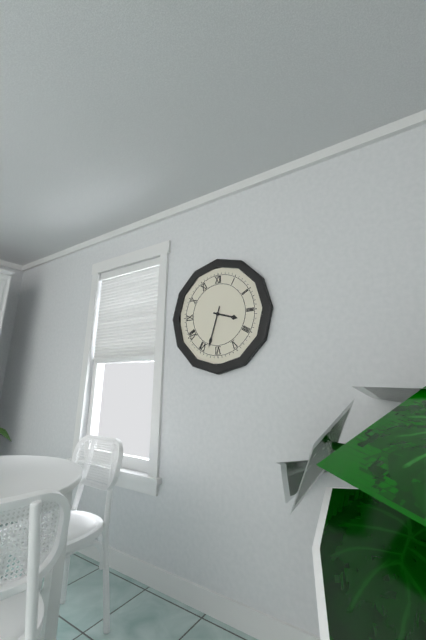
**3:33**
